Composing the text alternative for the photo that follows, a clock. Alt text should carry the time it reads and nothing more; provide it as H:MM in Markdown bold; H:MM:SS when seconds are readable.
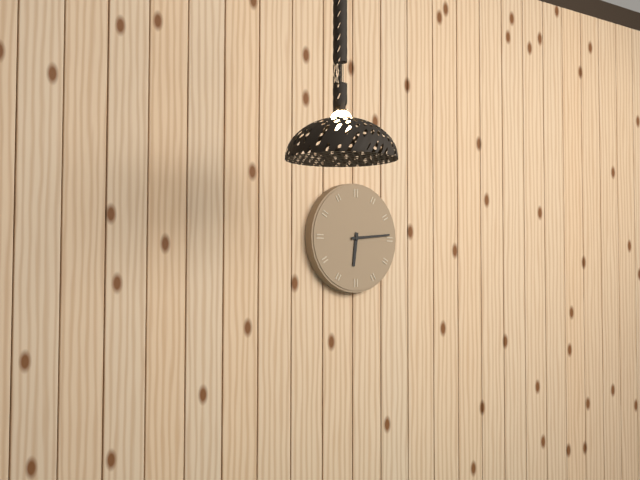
**6:14**
